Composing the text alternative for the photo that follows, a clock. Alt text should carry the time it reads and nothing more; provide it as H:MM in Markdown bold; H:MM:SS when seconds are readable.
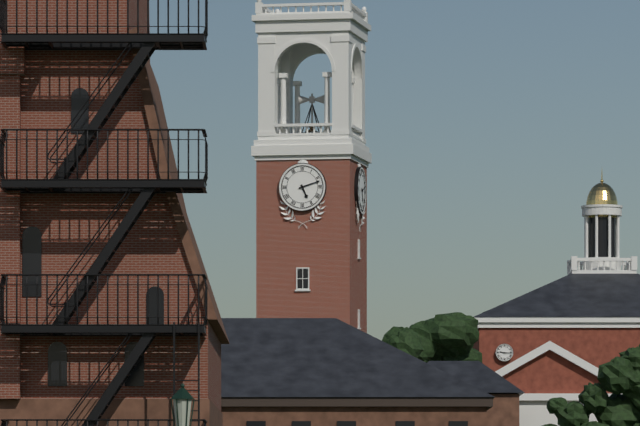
**5:12**
